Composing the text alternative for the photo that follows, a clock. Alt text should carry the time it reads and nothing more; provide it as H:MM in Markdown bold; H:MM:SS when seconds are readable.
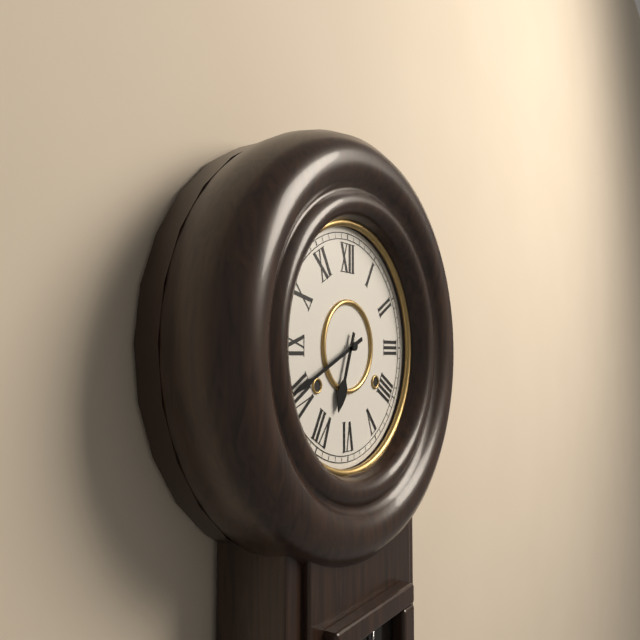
**6:41**
